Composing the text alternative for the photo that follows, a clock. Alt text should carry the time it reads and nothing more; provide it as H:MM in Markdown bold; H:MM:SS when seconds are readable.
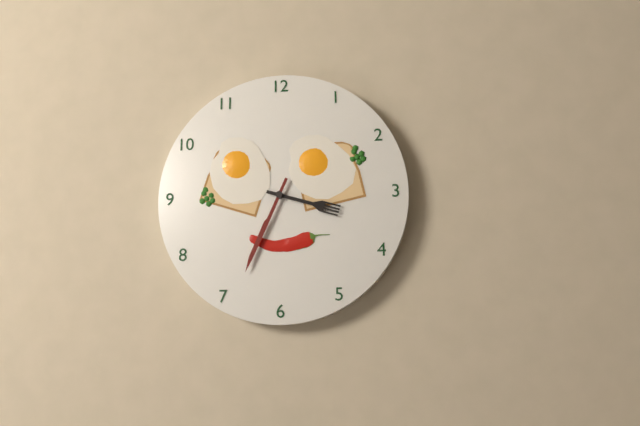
**3:34**
